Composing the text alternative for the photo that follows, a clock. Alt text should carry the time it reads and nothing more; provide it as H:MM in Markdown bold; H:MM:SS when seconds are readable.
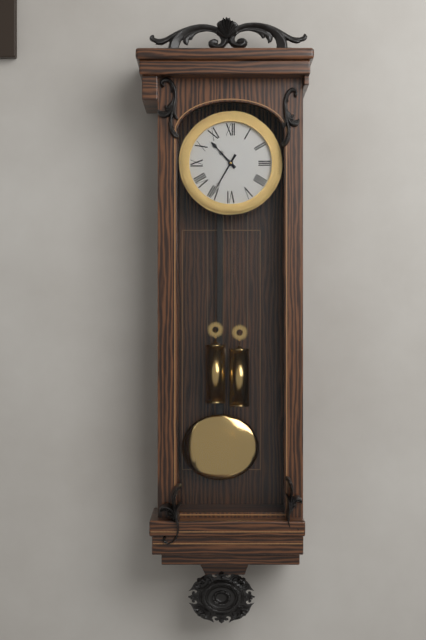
**10:35**
